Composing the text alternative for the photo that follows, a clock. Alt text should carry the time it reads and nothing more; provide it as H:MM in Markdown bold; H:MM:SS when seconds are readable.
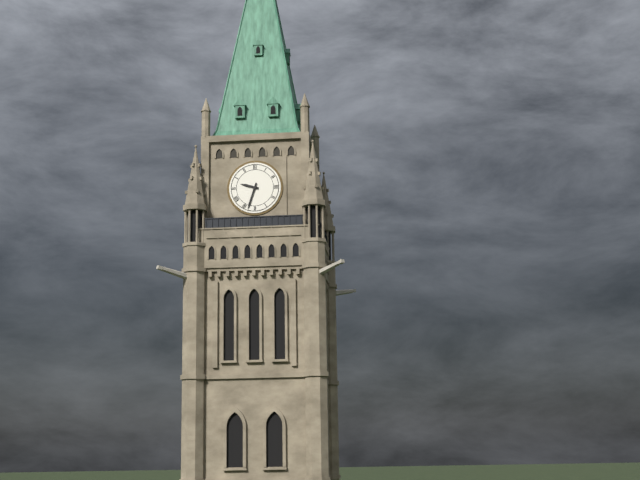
**9:33**
